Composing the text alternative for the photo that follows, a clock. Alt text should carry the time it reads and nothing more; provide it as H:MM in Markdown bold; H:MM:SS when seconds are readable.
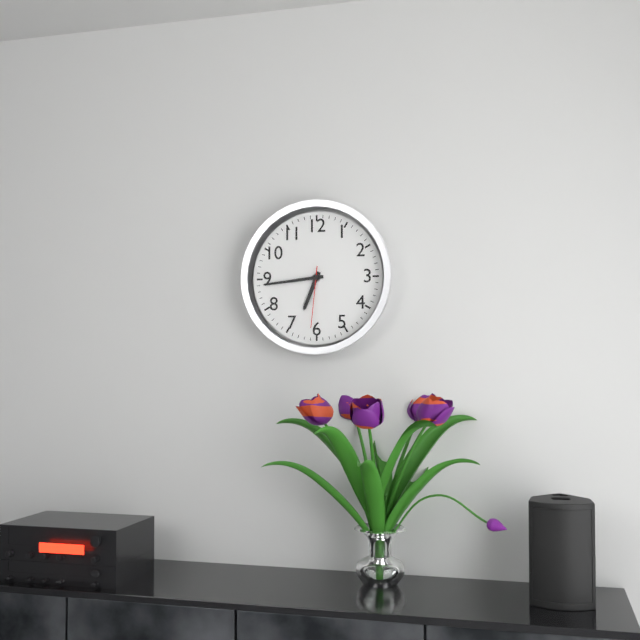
**6:44:31**
